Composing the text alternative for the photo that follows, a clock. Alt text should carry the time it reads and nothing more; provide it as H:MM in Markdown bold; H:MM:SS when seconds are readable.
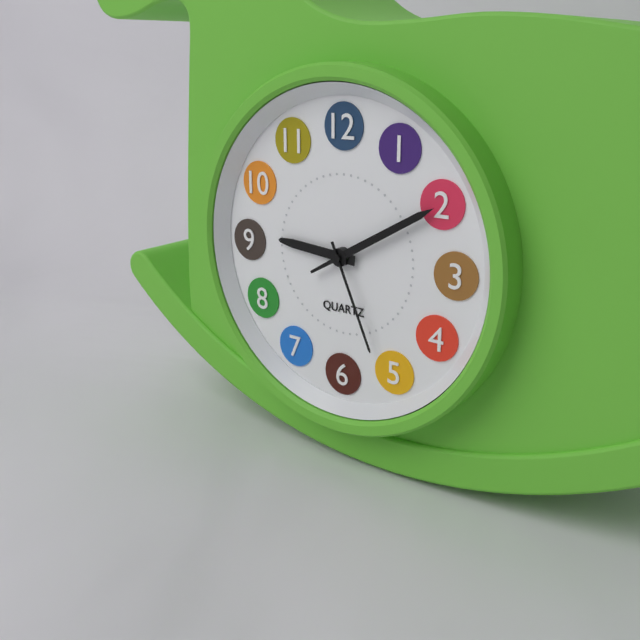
**9:10:26**
